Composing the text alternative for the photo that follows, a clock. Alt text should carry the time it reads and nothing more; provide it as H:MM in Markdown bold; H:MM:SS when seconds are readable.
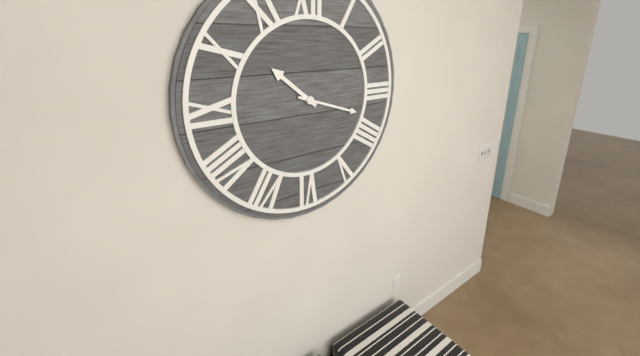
**10:18**
